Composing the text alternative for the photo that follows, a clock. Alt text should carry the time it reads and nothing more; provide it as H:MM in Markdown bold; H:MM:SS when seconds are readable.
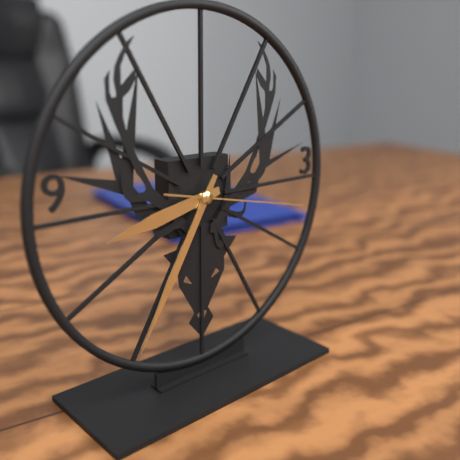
**8:35:17**
